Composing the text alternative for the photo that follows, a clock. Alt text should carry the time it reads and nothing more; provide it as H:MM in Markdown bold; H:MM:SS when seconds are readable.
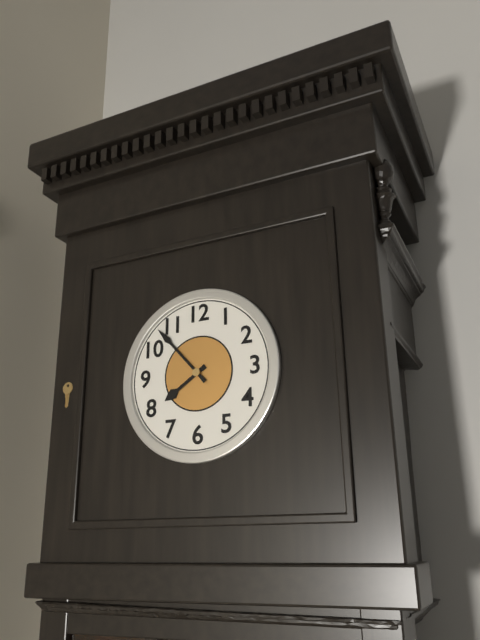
**7:53**
